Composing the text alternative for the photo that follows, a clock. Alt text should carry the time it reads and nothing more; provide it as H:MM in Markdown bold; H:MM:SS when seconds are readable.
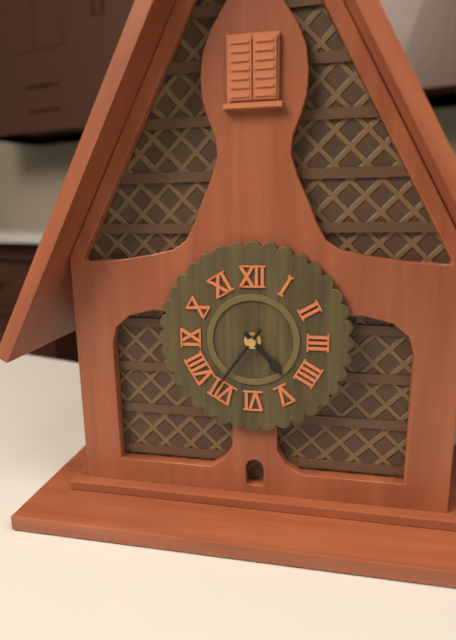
**4:36**
